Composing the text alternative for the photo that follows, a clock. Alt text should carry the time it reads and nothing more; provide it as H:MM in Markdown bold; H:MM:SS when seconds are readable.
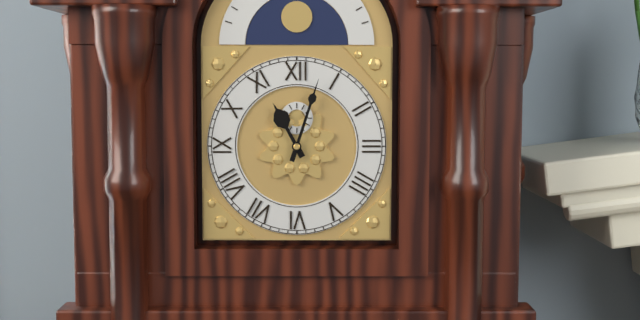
**11:03**
